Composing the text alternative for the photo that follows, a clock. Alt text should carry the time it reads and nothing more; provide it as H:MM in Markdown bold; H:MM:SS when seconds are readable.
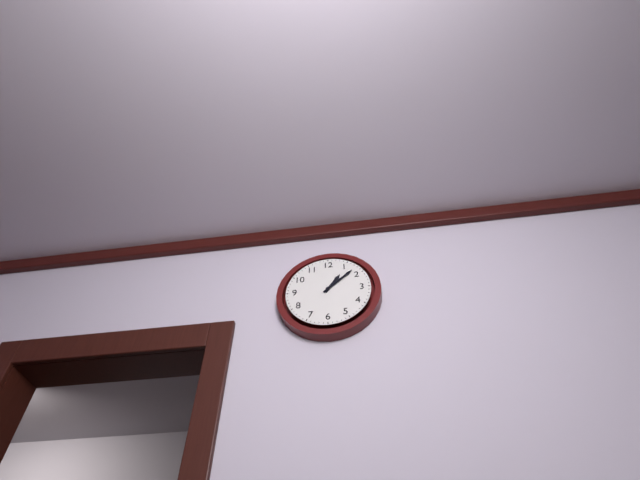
**1:08**
